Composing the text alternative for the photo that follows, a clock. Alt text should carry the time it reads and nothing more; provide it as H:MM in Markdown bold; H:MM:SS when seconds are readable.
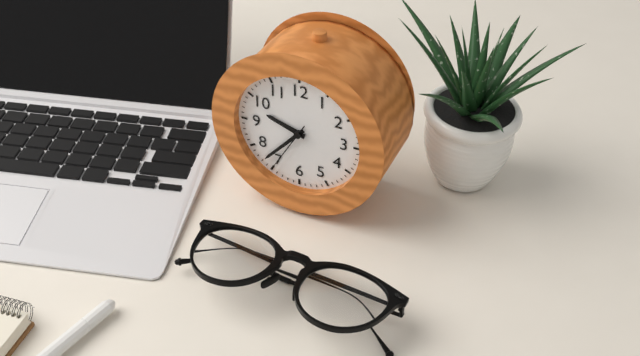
**9:37:35**
